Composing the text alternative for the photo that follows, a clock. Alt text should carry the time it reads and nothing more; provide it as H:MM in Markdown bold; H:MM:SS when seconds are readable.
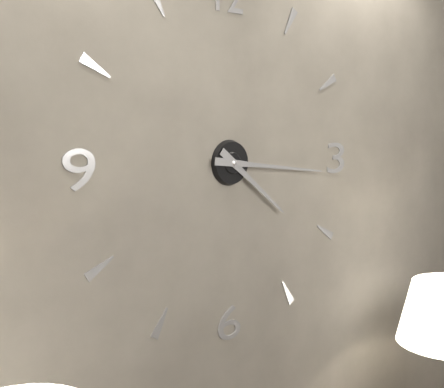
**4:16**
